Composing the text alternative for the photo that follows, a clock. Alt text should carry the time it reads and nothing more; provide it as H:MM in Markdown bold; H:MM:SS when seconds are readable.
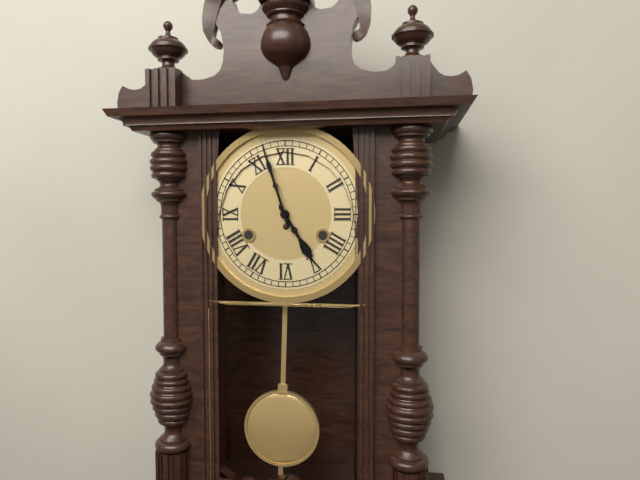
**4:57**
